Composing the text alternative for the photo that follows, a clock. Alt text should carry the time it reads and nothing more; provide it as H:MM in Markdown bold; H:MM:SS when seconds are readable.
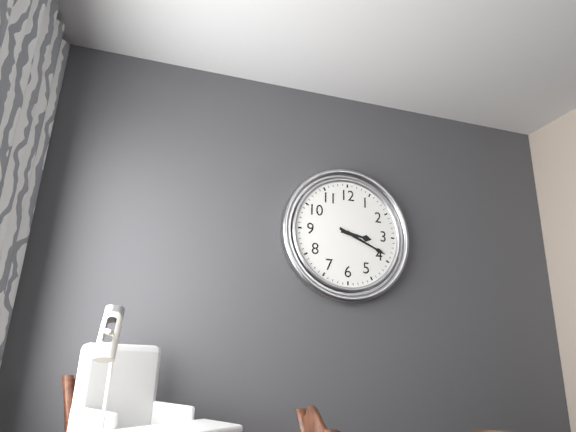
**3:19**
